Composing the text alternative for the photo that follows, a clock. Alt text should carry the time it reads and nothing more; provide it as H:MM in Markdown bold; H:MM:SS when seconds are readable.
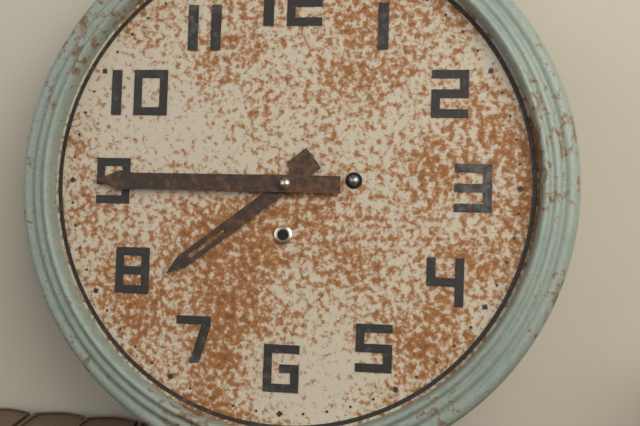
**7:45**
